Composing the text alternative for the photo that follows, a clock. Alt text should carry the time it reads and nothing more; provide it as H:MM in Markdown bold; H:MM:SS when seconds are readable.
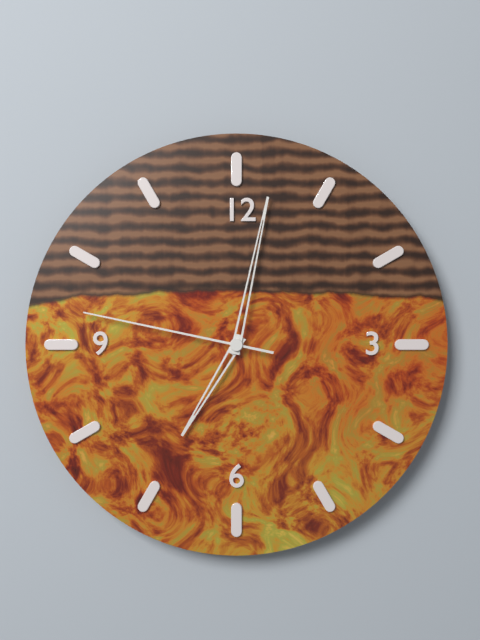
**7:02:47**
